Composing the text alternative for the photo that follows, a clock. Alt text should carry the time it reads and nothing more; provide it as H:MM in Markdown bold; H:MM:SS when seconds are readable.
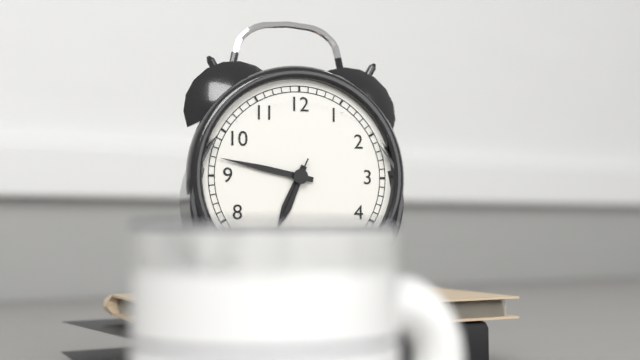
**6:47:34**
